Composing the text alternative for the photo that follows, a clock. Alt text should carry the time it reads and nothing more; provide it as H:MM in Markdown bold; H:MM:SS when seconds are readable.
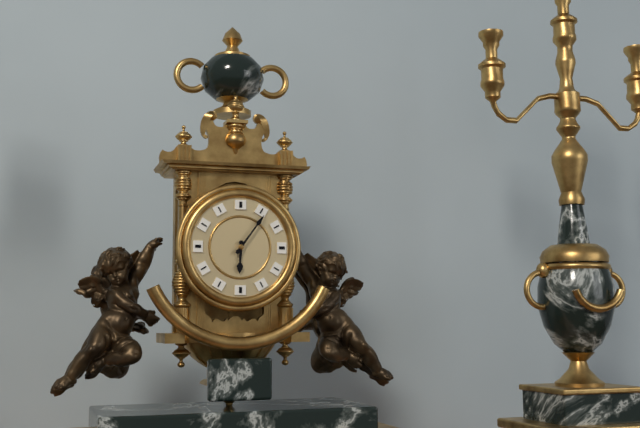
**6:06**
